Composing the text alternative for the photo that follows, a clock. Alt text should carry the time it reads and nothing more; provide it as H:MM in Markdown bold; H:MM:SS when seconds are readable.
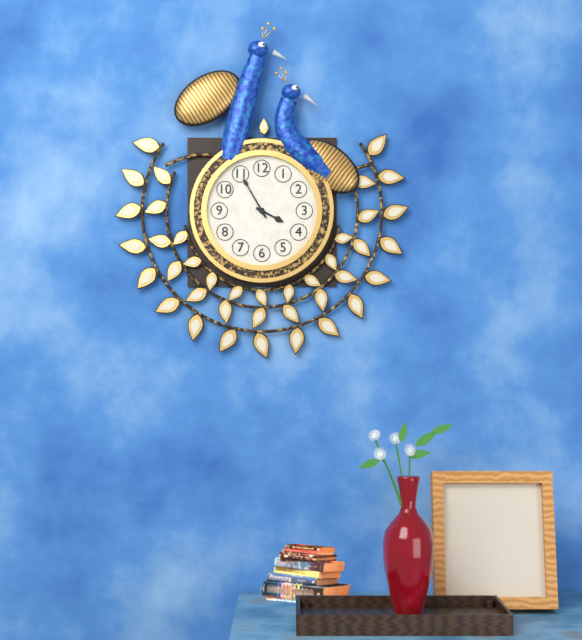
**3:55**
